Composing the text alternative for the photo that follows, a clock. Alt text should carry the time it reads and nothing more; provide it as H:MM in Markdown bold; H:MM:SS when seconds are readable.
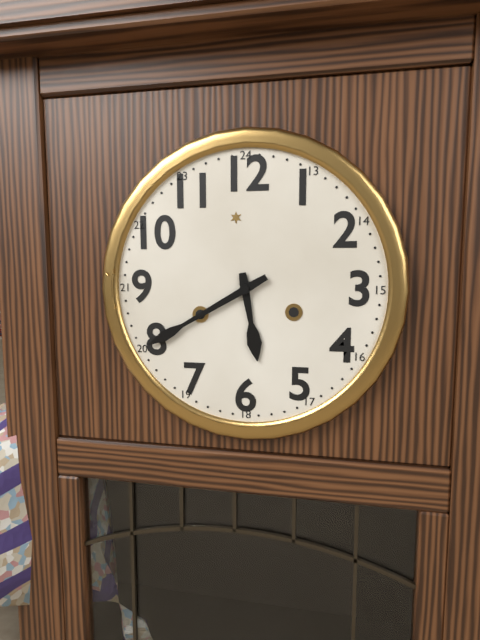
**5:40**
